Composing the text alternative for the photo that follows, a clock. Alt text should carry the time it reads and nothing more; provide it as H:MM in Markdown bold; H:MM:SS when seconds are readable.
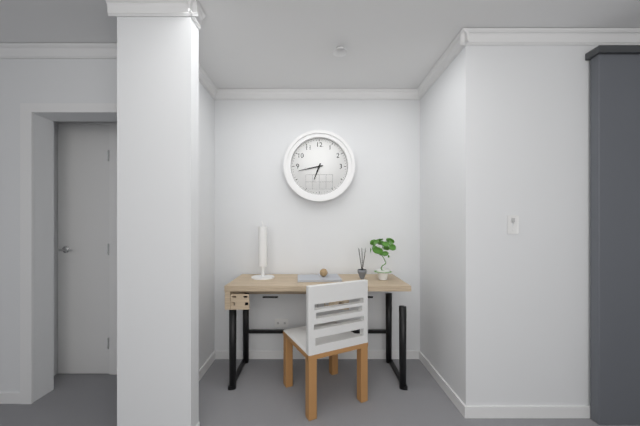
**6:43**
